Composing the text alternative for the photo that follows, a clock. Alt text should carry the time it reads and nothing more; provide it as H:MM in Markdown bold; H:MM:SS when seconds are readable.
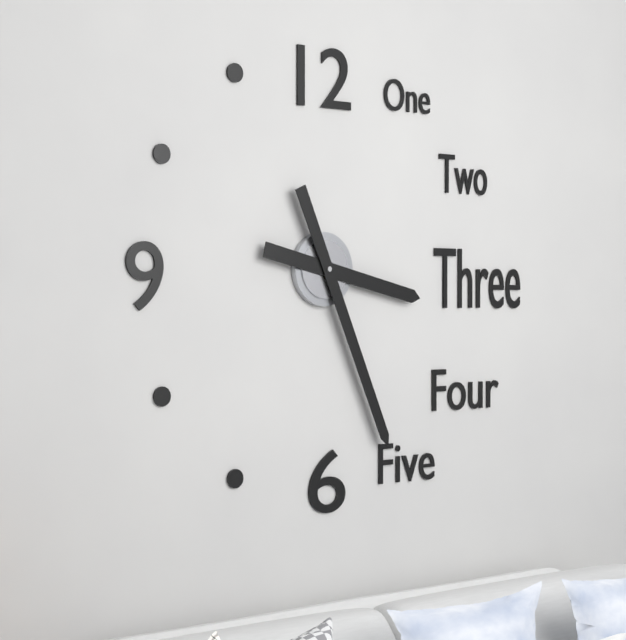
**3:26**
